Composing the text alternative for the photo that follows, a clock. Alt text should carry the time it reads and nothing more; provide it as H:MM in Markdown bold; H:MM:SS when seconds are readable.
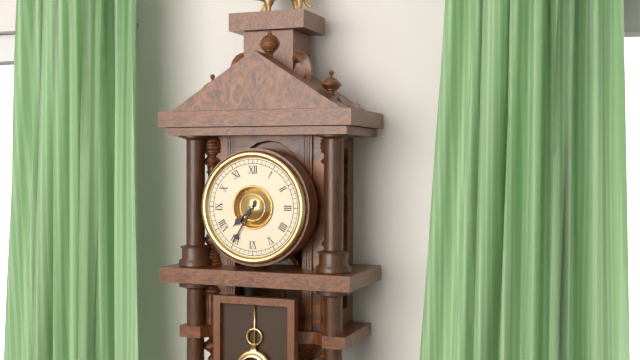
**7:35**
